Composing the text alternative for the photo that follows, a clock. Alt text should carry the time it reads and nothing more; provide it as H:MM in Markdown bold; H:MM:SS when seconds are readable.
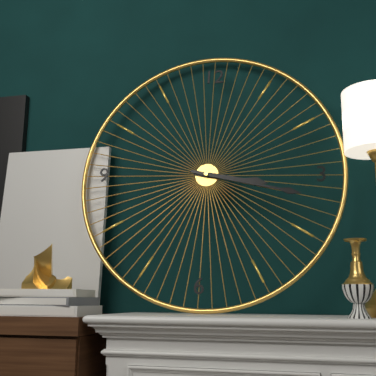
**3:17**
